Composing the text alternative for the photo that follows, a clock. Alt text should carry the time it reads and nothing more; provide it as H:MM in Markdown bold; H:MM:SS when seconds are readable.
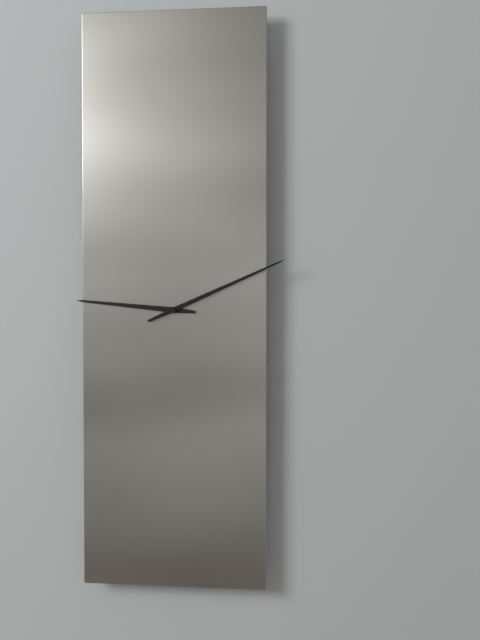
**9:11**
